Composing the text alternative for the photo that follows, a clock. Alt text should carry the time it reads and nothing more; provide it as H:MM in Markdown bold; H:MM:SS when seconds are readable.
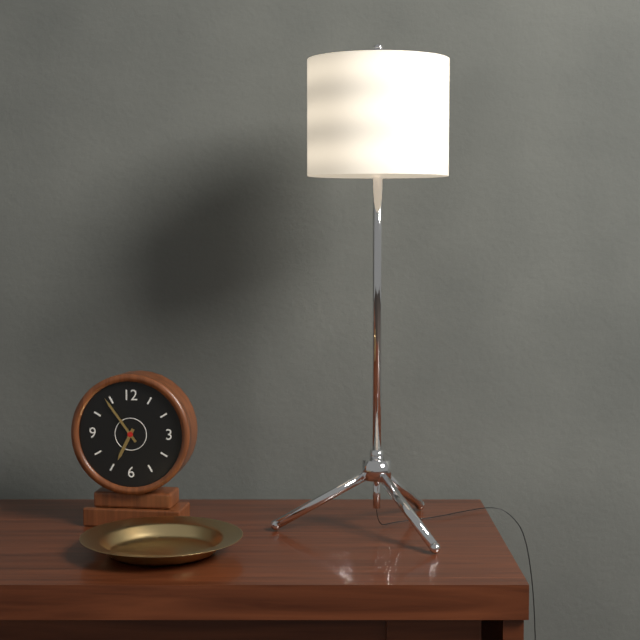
**6:54**
